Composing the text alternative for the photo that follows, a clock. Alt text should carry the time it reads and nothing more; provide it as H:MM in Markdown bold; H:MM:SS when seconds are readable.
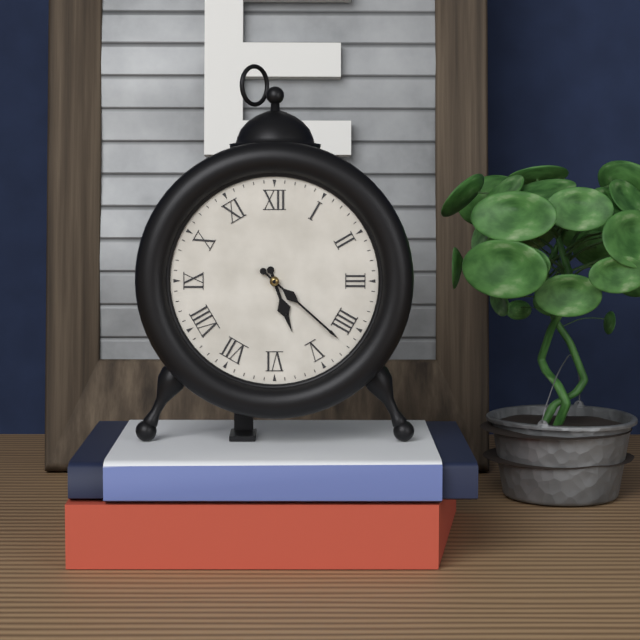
**5:22**
